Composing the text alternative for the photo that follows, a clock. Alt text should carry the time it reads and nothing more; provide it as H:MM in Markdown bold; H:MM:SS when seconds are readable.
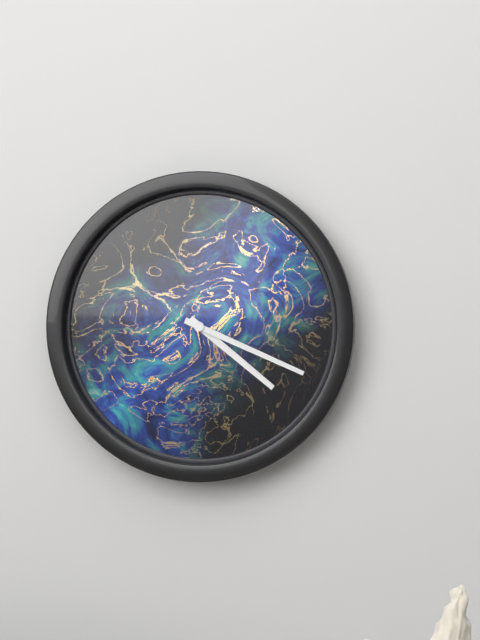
**4:19**
